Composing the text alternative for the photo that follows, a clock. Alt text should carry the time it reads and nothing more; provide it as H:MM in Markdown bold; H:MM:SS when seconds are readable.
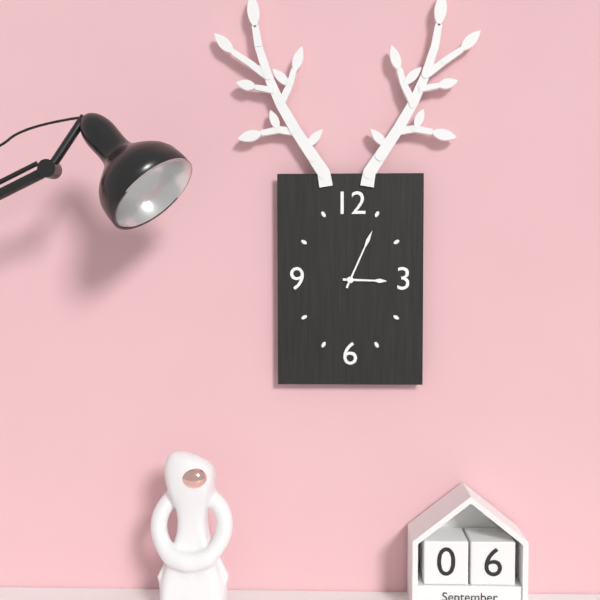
**3:04**
